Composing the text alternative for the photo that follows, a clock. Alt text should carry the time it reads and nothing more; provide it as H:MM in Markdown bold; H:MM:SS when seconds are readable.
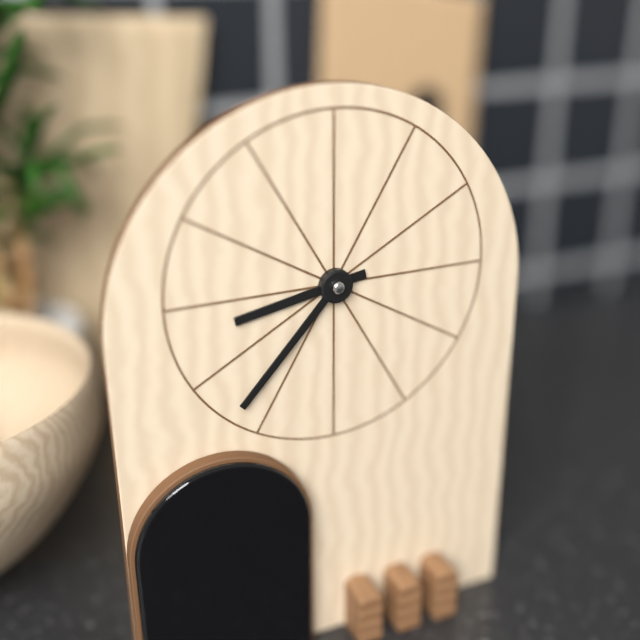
**8:37**
